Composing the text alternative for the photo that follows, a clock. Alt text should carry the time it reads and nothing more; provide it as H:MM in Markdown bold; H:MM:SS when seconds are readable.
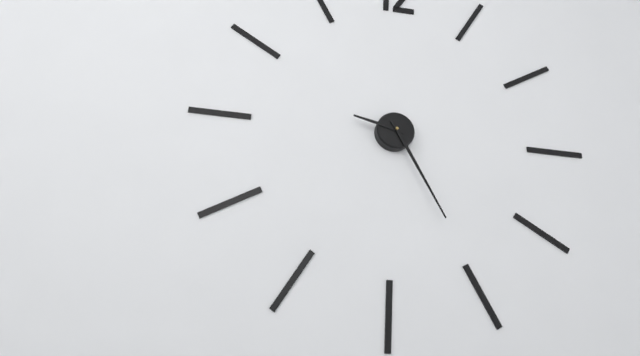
**9:25**
